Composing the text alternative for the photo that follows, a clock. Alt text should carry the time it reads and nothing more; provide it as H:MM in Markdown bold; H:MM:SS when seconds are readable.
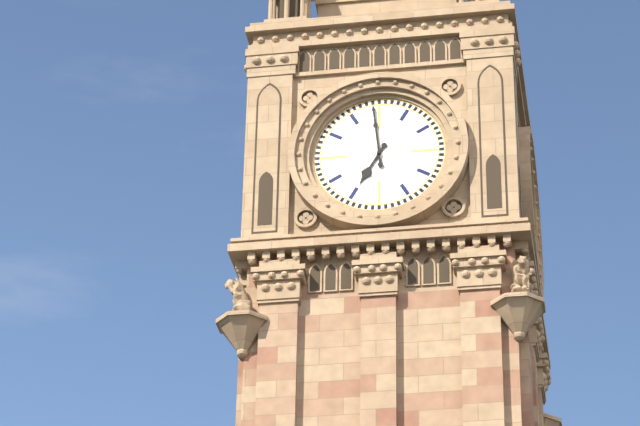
**6:59**
